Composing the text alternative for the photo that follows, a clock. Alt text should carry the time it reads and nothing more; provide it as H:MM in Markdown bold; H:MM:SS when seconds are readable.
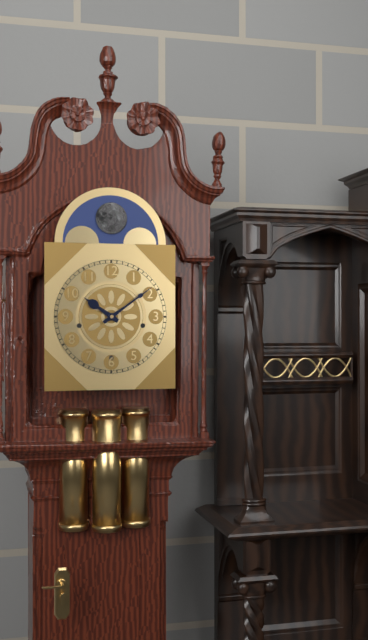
**10:09**
